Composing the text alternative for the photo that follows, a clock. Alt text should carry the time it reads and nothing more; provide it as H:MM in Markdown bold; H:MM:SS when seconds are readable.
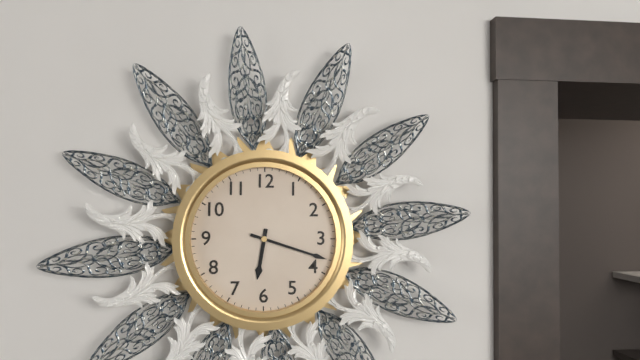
**6:18**
